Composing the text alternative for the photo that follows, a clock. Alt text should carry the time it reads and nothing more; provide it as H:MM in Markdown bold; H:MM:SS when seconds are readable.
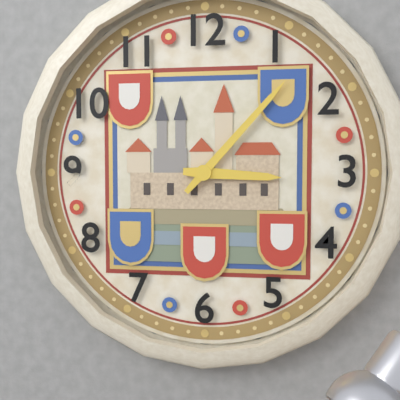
**3:07**
